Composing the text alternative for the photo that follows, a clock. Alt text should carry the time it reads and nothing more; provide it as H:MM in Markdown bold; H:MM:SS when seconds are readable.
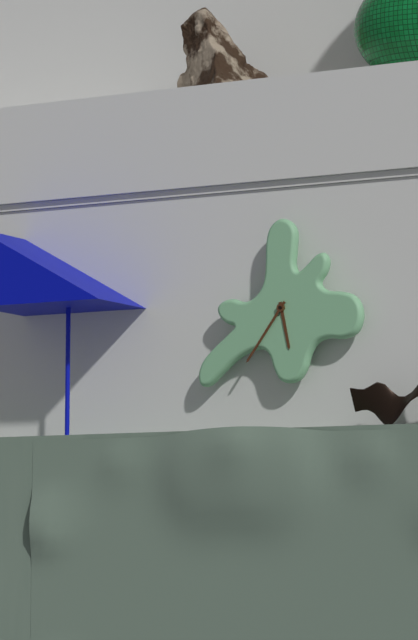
**5:36**
